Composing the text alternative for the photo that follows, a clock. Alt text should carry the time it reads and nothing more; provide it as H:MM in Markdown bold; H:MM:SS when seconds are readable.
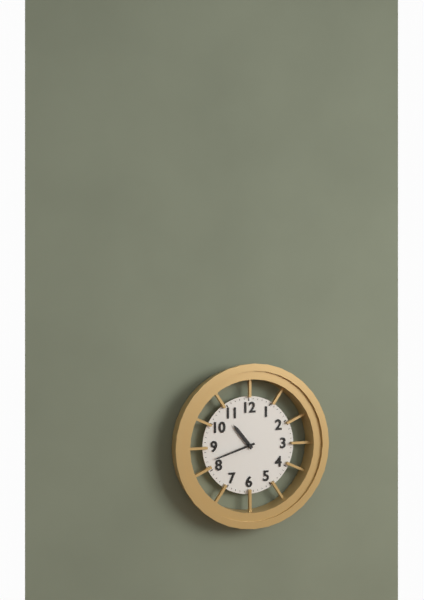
**10:42**
